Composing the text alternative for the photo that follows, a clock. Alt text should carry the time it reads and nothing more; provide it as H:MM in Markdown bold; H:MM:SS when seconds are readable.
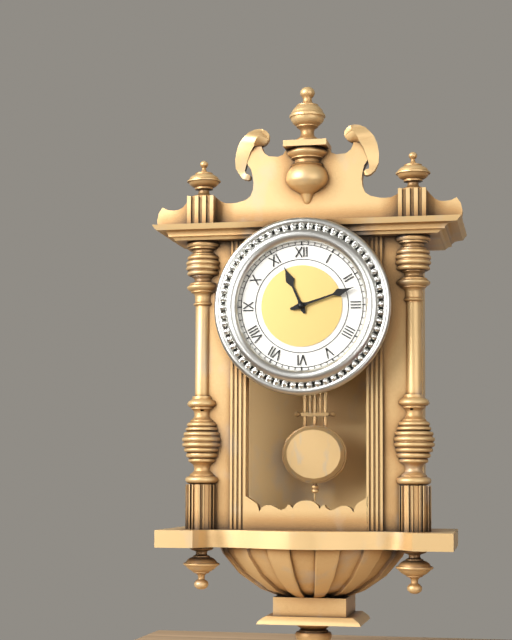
**11:12**
